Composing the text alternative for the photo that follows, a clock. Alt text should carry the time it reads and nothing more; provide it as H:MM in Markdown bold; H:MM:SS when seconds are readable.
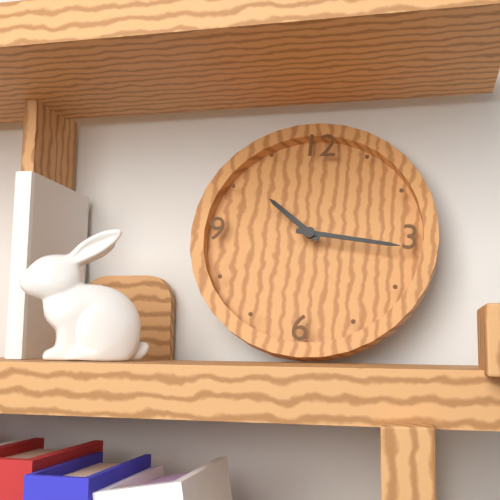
**10:16**
